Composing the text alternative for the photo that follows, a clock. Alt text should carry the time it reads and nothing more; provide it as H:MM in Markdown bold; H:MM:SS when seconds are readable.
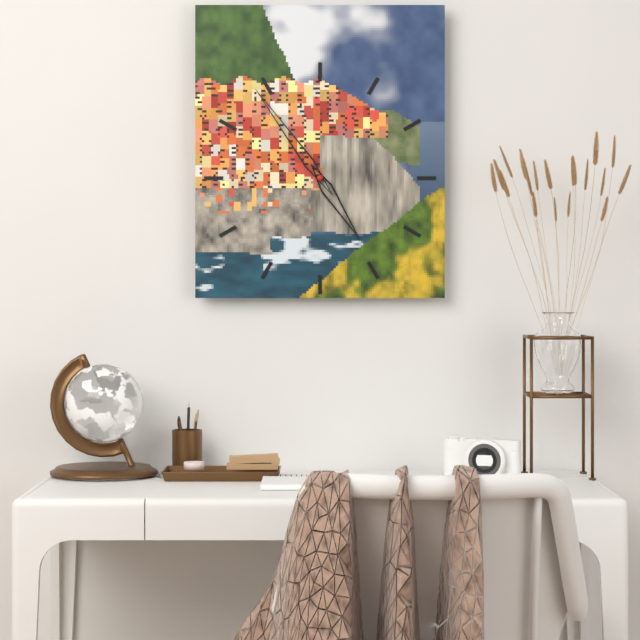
**4:54**
